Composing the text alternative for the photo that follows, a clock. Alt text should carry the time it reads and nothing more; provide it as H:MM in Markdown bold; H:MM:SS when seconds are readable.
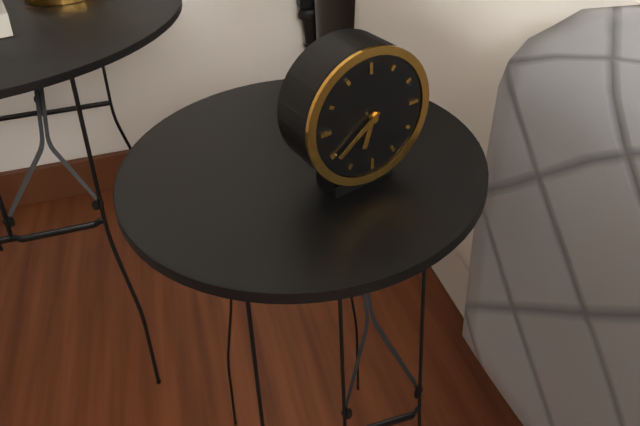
**6:39**
